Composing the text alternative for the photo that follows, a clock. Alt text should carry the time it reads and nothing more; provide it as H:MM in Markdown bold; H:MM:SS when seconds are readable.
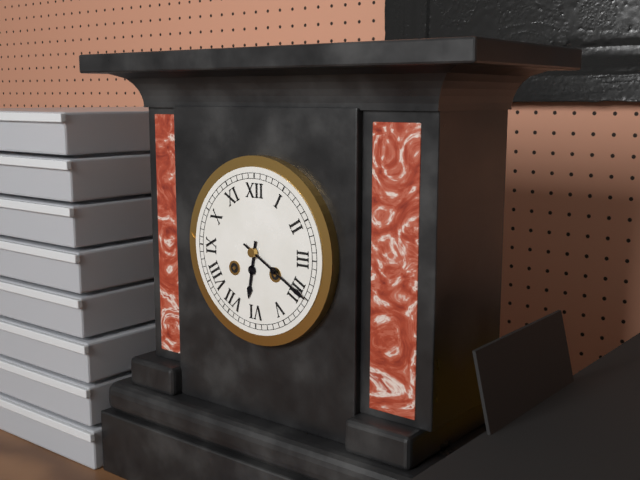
**6:20**
